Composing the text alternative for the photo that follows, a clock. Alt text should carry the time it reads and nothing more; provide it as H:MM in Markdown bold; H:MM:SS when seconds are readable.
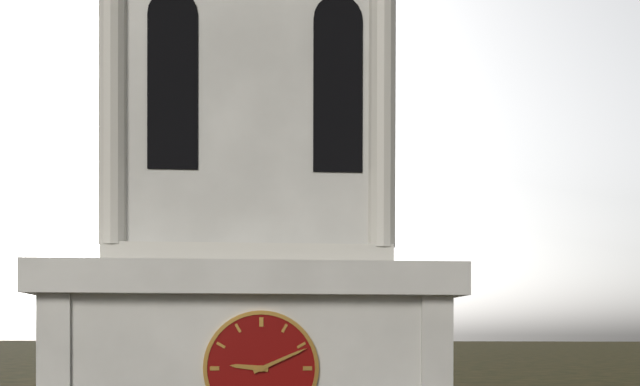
**9:11**
